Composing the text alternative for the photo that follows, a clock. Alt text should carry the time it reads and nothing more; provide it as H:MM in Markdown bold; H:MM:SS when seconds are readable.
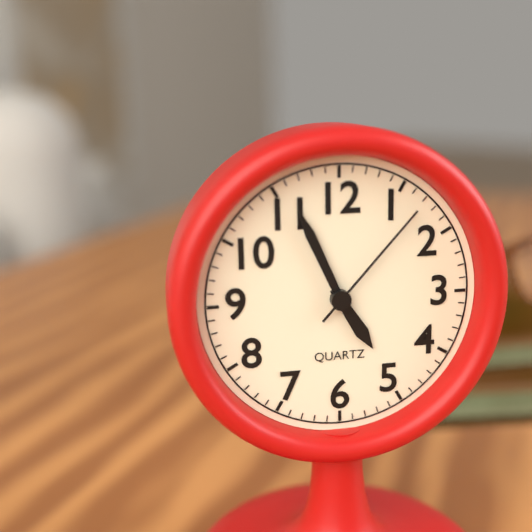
**4:56:07**
